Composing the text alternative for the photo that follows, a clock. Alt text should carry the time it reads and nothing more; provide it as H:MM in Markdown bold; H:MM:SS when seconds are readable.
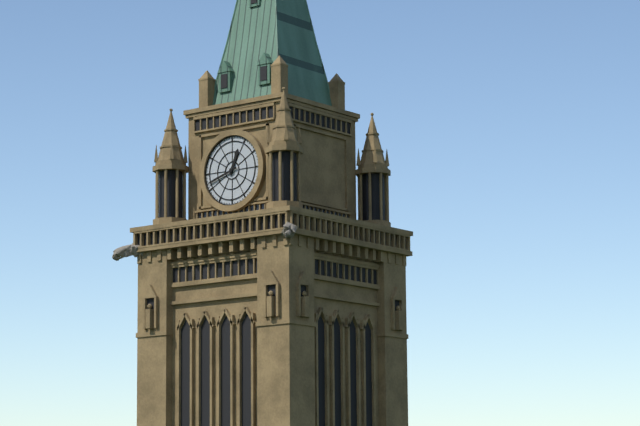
**12:42**
